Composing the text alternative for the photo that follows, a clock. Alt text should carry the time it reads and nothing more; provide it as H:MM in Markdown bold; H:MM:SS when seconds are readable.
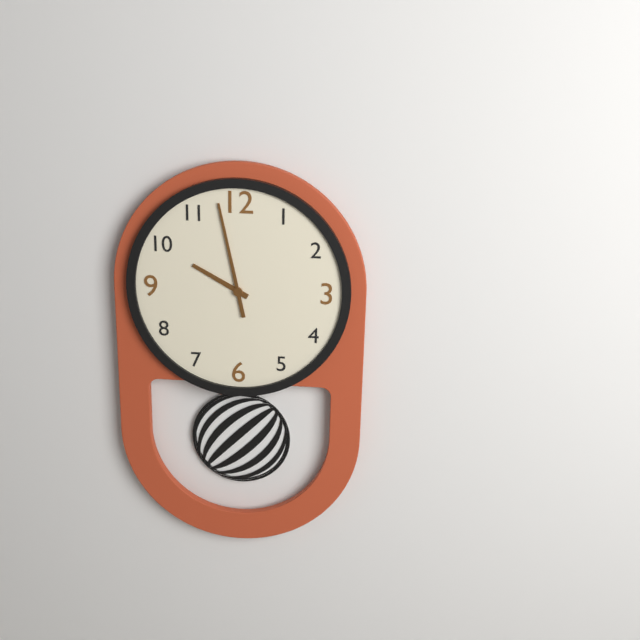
**9:58**
